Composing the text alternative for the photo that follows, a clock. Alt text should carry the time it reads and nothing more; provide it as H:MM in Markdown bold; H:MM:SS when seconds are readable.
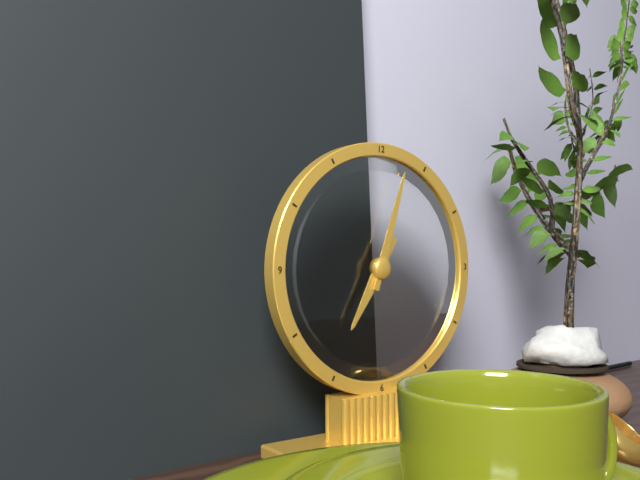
**7:03**
